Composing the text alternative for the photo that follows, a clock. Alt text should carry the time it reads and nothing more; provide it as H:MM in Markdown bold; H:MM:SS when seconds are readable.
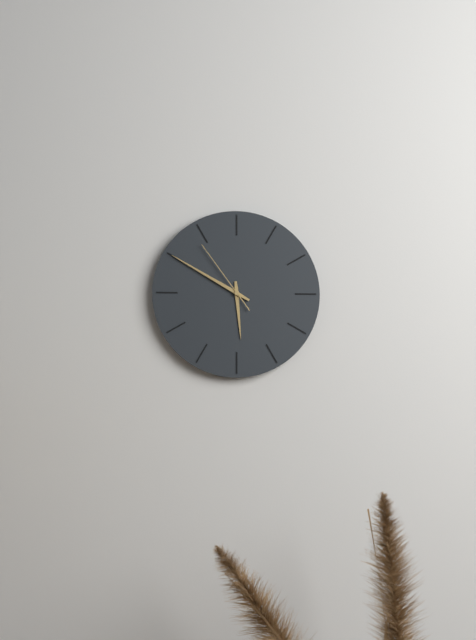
**5:50:54**
